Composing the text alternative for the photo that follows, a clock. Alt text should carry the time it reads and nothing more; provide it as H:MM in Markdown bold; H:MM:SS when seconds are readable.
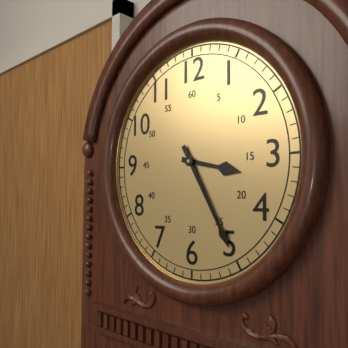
**3:25**
